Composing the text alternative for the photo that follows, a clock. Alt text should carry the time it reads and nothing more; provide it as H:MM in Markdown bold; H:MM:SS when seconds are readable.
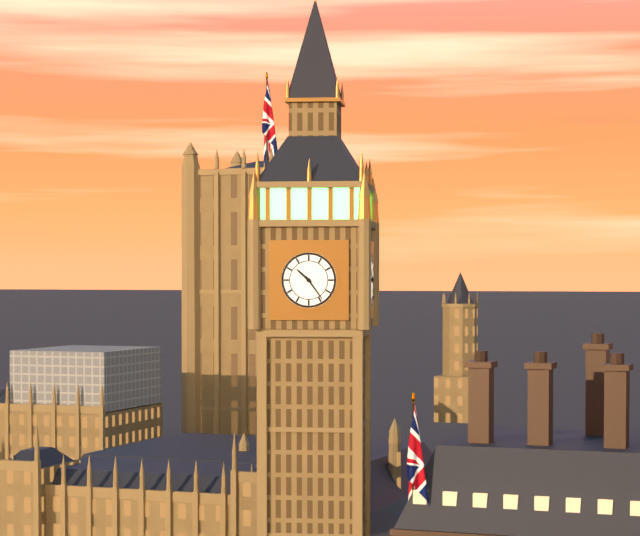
**10:24**
